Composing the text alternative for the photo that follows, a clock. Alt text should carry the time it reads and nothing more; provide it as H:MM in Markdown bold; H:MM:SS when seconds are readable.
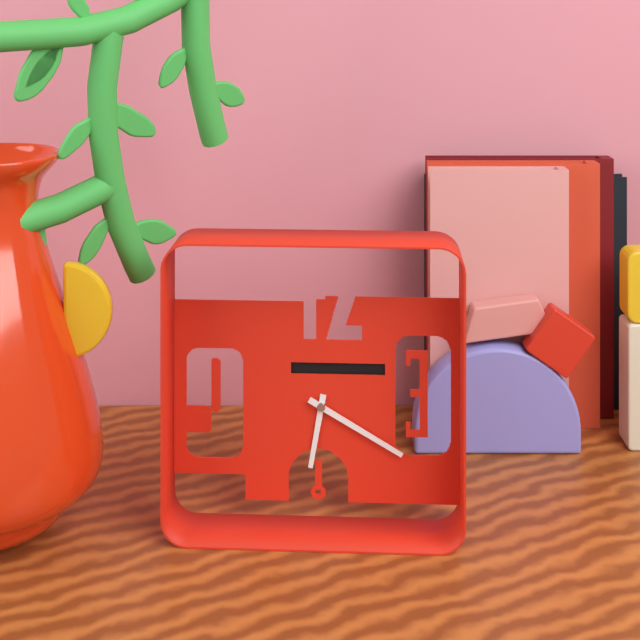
**6:20**
